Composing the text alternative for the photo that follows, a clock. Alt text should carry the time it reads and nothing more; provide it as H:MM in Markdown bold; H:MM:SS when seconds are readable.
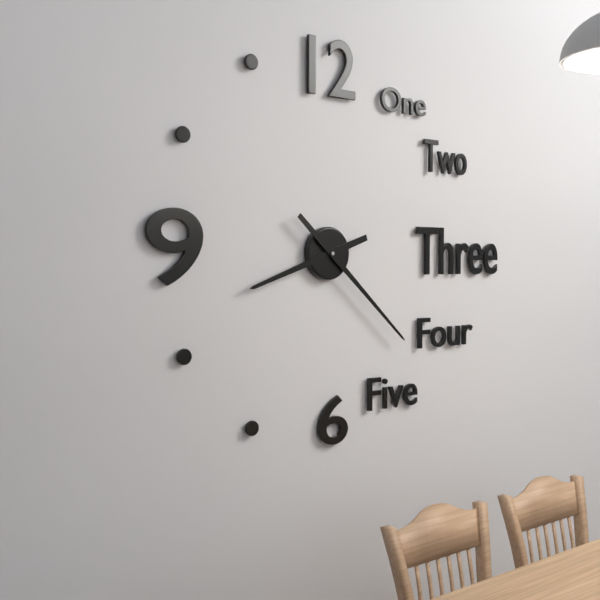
**8:22**
